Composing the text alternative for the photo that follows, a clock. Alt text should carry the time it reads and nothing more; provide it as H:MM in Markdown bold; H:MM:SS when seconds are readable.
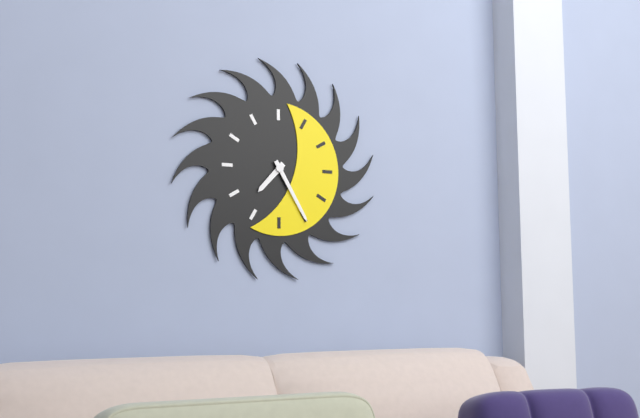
**7:25**
